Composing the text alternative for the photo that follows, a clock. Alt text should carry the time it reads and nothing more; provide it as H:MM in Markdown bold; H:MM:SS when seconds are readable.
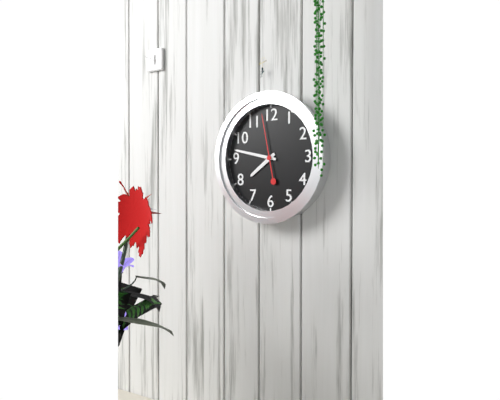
**7:47:58**
